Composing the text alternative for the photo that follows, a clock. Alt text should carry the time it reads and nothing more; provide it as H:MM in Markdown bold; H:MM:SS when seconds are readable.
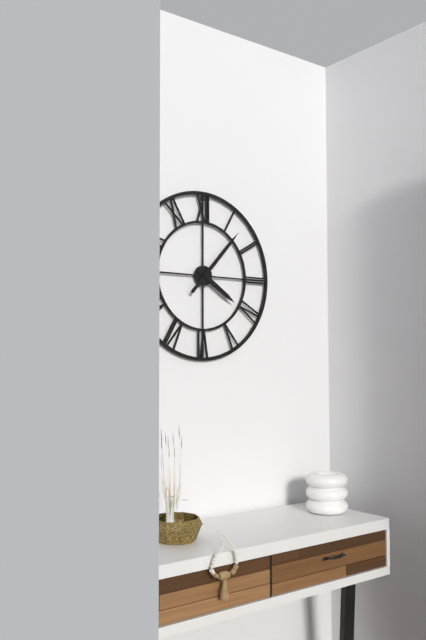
**4:07**
